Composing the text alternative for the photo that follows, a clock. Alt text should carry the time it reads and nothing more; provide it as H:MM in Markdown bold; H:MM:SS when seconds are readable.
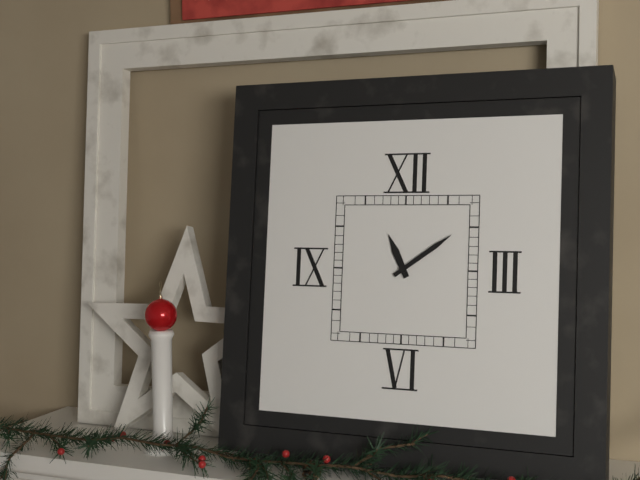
**11:09**
